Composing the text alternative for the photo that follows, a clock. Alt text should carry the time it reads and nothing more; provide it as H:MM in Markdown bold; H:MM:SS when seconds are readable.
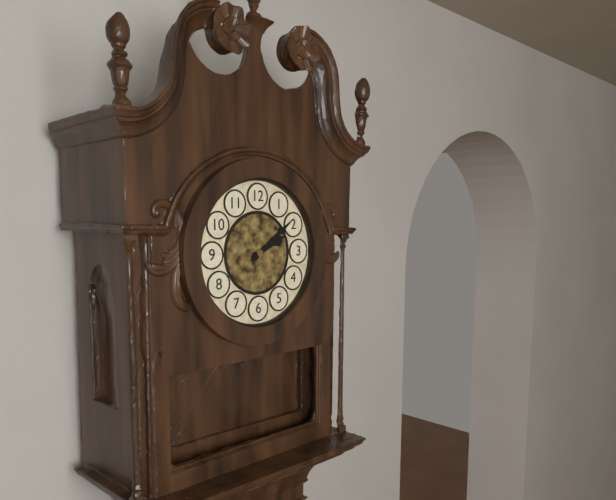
**2:09**
